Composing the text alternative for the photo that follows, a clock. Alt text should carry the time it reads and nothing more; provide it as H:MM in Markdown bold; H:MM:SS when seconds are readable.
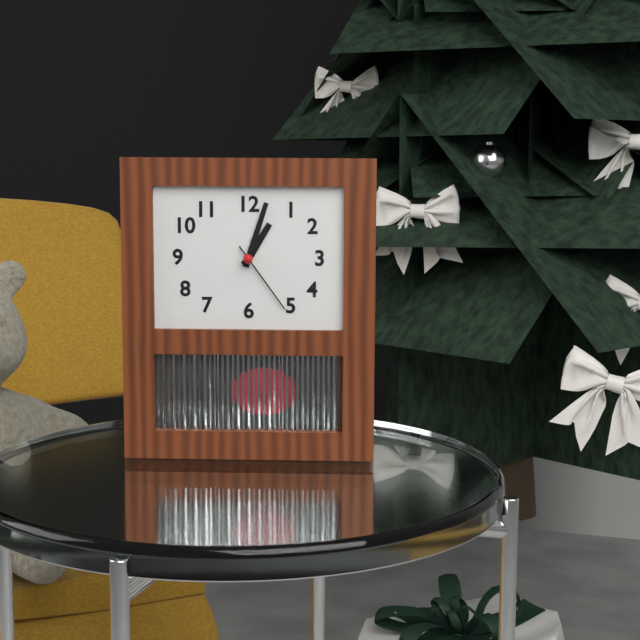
**1:03:24**
